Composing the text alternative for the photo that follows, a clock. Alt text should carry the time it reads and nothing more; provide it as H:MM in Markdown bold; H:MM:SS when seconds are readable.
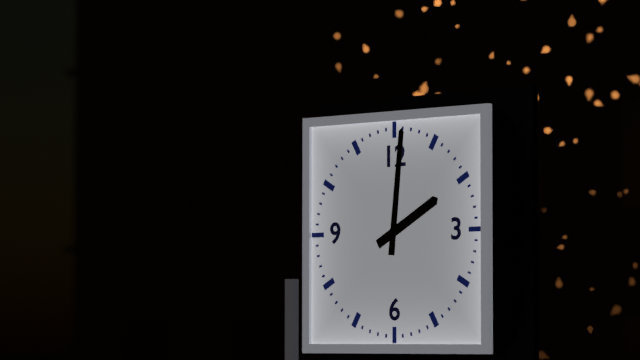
**2:01**
